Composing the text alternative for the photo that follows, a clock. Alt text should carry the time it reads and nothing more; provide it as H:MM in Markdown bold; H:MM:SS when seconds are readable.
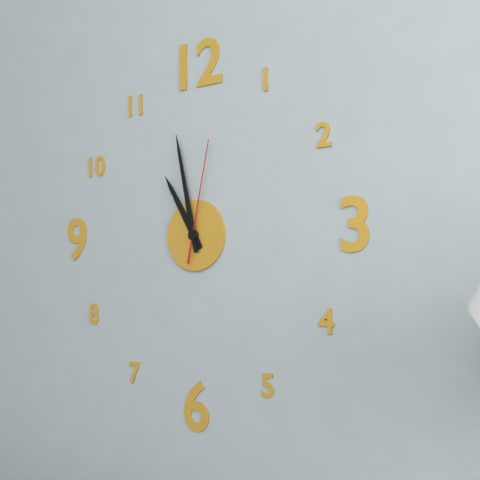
**10:58:02**
